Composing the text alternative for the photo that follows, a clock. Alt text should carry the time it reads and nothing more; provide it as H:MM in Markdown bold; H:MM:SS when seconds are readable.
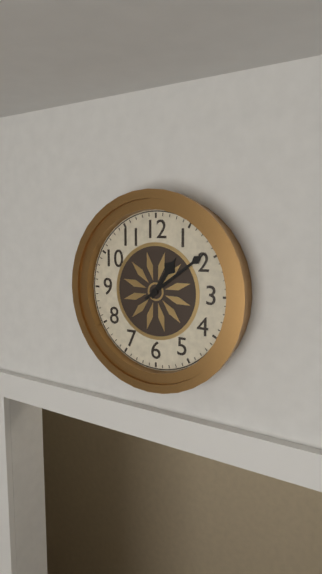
**1:09**
